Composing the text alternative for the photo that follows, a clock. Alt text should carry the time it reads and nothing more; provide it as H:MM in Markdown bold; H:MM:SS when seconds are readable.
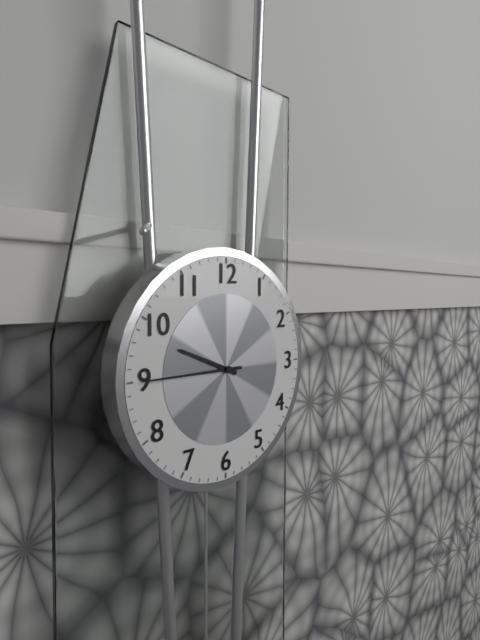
**9:45**
